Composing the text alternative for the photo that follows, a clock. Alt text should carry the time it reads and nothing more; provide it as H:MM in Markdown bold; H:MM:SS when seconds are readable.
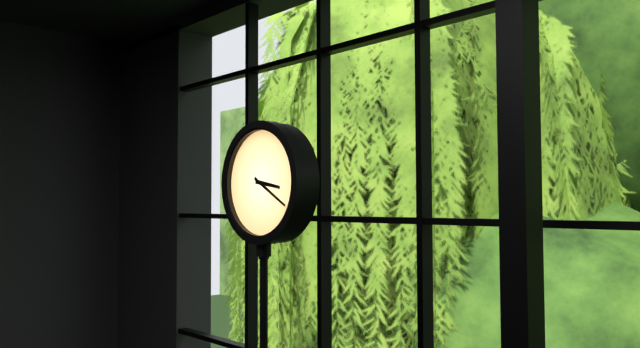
**3:20**
